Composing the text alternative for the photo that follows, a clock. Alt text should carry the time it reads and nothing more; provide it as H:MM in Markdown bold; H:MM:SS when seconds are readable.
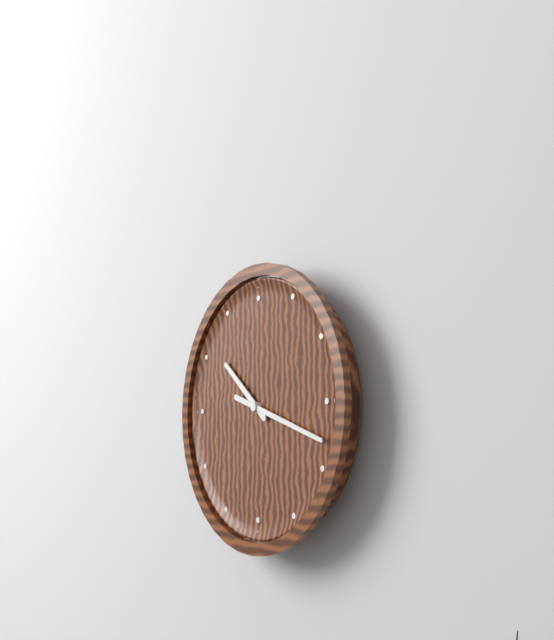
**10:18**
